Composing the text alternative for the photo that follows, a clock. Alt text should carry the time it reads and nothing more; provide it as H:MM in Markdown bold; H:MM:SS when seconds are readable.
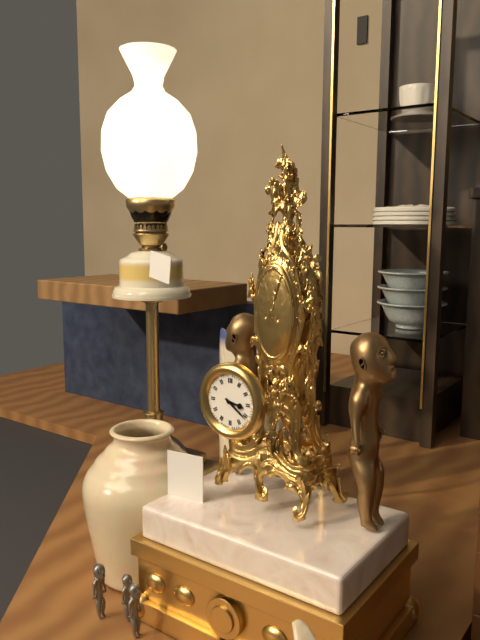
**3:21**
